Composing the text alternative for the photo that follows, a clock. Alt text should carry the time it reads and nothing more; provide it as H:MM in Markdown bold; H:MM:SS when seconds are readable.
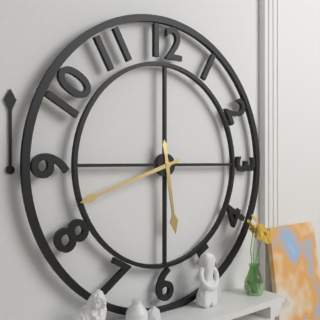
**5:42**
